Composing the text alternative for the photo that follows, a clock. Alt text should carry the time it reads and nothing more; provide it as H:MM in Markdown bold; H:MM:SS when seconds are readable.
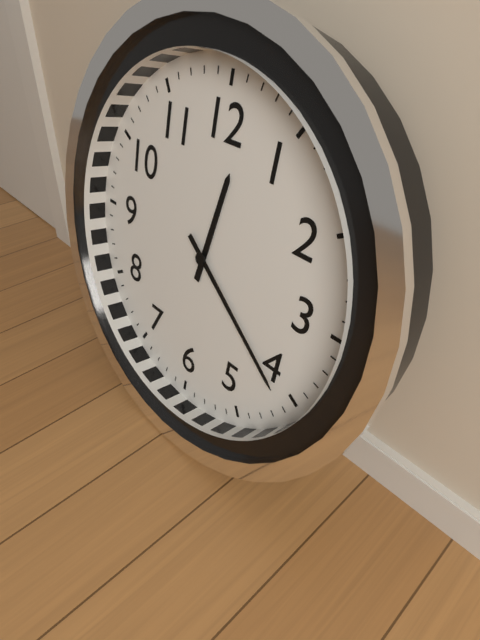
**12:21**
